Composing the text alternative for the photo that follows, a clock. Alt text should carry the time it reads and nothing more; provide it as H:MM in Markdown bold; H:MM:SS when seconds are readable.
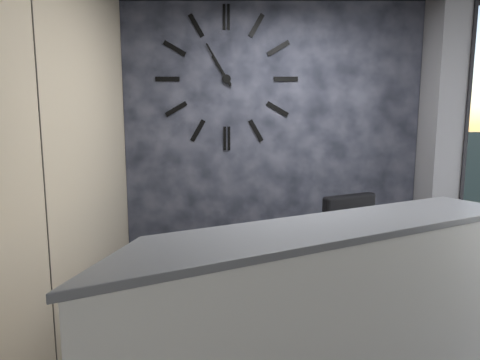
**10:55**
